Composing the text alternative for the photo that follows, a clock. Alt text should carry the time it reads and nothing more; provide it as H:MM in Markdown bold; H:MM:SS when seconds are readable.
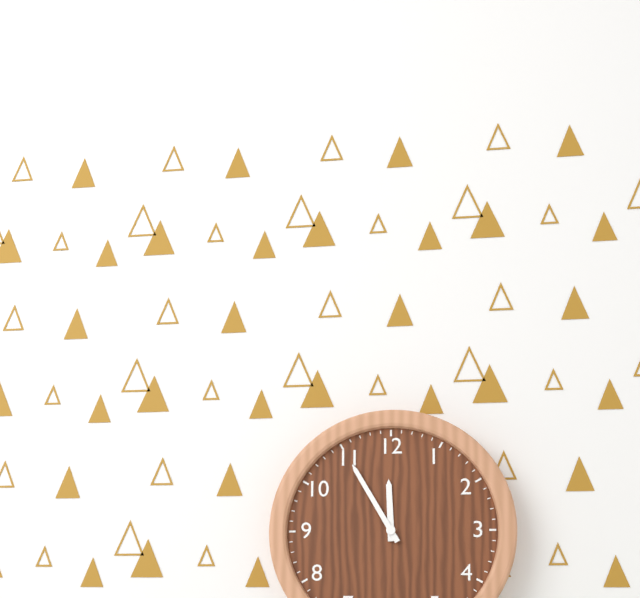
**11:55**
